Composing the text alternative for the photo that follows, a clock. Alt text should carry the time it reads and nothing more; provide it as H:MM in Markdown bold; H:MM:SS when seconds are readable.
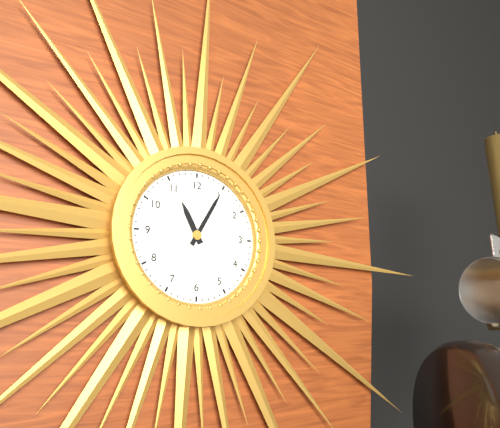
**11:05**
